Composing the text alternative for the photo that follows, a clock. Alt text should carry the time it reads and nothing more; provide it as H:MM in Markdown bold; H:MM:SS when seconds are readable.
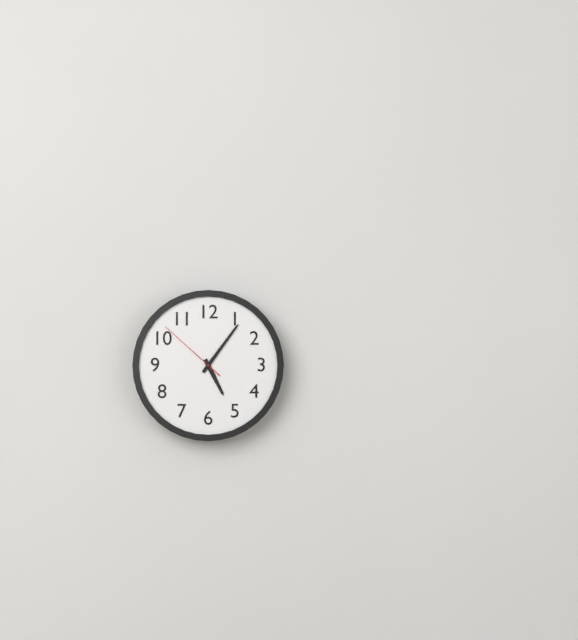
**5:06:52**
